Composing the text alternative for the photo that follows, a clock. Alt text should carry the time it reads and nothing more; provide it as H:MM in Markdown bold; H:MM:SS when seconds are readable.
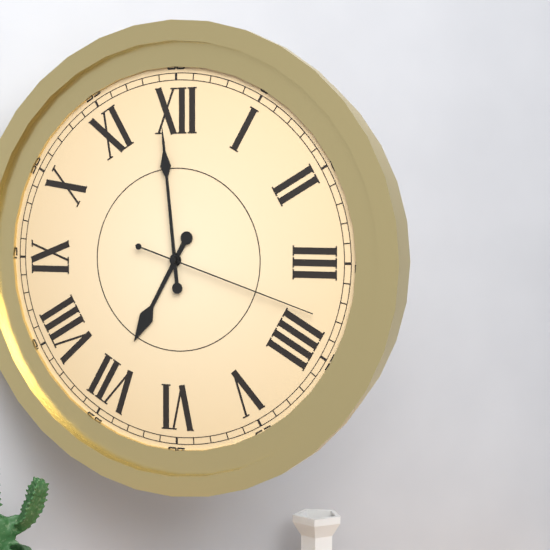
**6:59:18**
